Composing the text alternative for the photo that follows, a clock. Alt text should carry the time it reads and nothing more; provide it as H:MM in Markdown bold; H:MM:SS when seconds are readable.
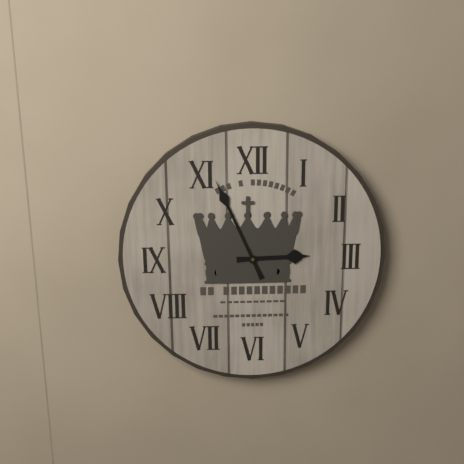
**2:56**
